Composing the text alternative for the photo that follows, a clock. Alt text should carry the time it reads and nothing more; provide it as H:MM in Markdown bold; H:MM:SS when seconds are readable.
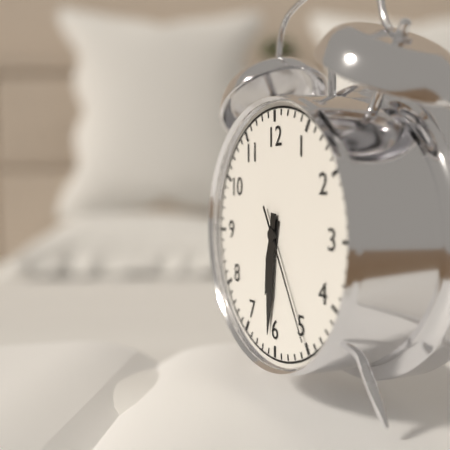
**6:31:25**
